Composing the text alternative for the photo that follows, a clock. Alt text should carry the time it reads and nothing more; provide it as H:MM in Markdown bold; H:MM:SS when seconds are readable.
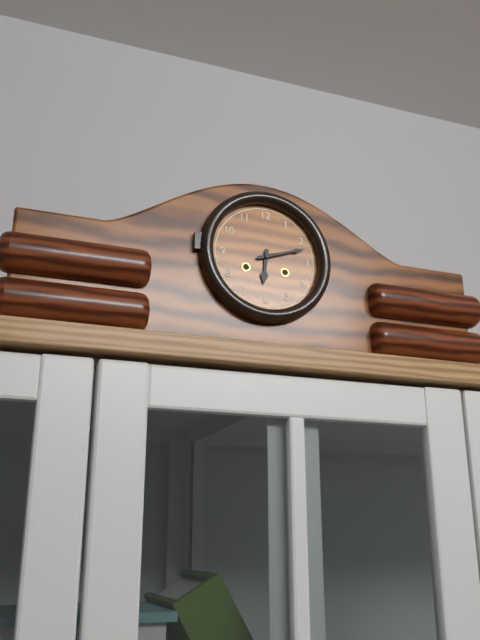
**6:12**
